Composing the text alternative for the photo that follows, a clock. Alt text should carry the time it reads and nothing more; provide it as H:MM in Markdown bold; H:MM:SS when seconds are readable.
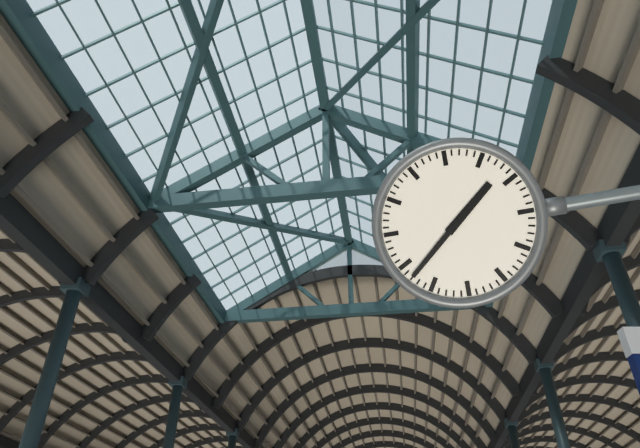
**1:38**
